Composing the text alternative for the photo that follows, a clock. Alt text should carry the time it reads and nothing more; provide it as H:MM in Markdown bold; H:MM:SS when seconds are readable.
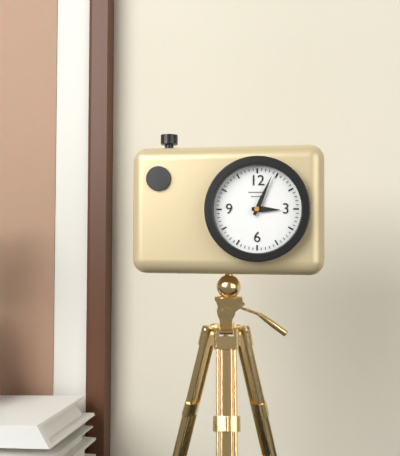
**3:04**
